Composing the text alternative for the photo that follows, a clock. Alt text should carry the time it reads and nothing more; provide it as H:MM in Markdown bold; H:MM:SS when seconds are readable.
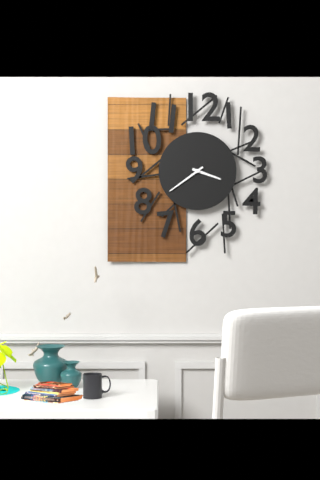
**3:39**
